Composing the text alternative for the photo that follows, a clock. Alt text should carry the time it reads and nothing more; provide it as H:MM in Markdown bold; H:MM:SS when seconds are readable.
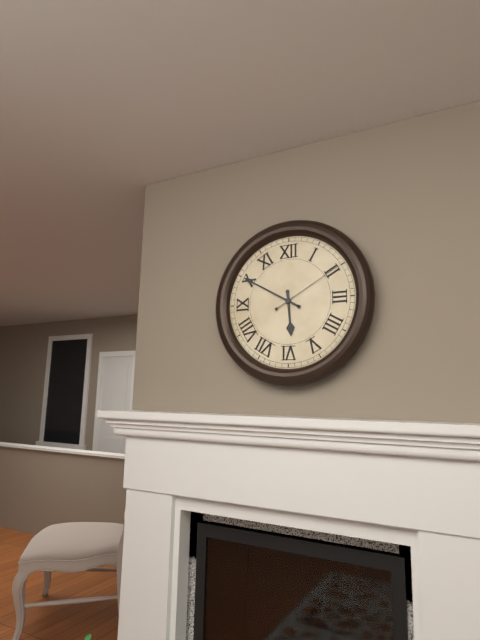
**5:50:10**
